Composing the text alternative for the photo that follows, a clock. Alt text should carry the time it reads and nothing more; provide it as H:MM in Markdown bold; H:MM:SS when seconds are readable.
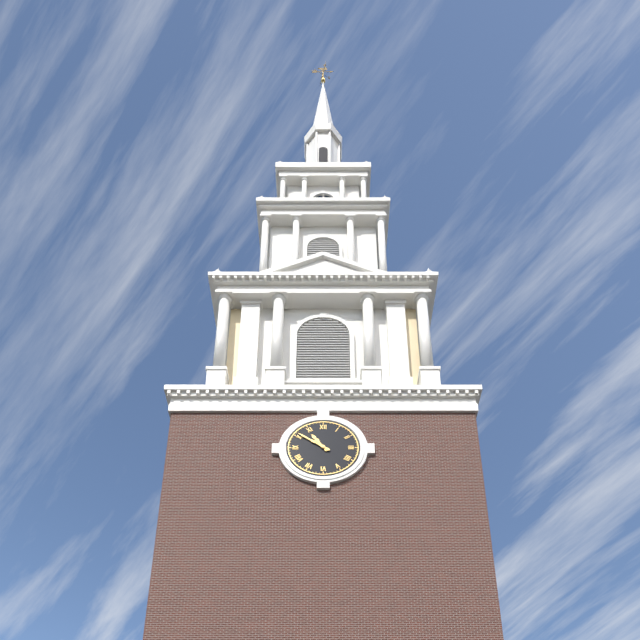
**10:51**
